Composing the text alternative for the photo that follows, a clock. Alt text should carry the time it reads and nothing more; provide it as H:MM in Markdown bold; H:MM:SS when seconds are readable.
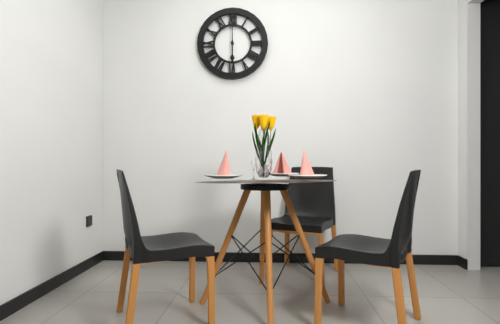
**6:00**
